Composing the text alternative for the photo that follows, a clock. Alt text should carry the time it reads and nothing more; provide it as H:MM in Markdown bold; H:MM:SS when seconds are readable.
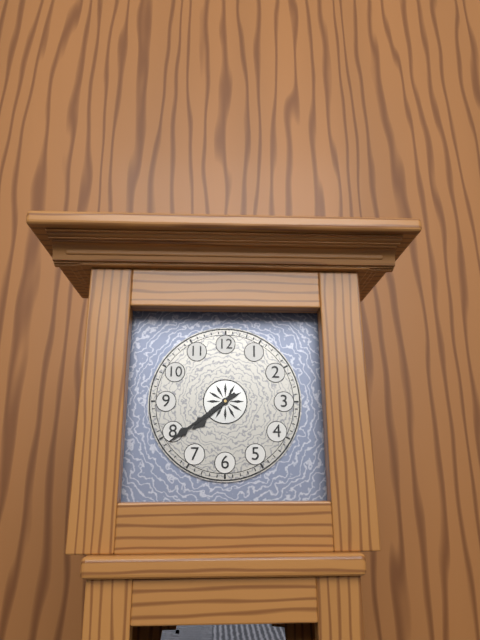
**7:39**
